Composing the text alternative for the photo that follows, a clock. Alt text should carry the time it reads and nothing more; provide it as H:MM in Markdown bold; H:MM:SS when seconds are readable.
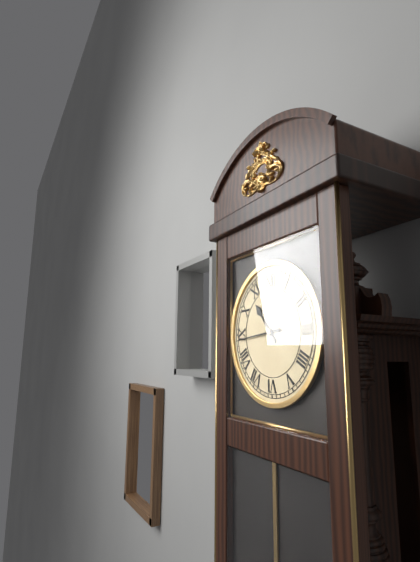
**10:44**
